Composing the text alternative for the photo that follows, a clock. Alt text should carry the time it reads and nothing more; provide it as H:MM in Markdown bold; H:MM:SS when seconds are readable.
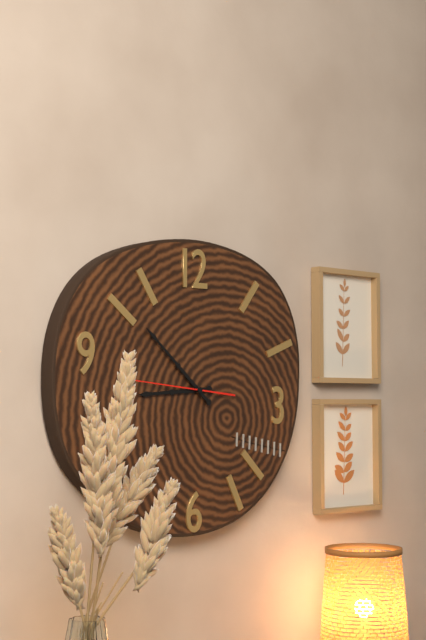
**8:52:46**
